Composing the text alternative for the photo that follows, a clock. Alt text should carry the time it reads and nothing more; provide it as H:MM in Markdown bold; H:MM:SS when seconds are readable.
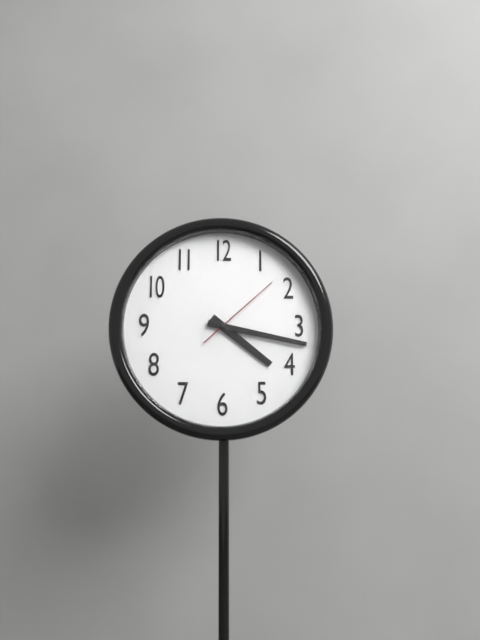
**4:17:08**
